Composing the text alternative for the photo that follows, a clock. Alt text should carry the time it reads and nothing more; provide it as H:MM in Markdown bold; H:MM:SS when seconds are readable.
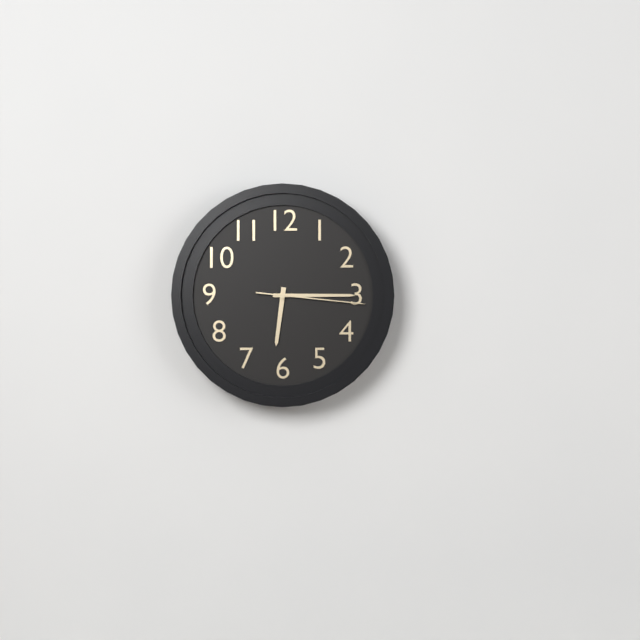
**6:15:16**
